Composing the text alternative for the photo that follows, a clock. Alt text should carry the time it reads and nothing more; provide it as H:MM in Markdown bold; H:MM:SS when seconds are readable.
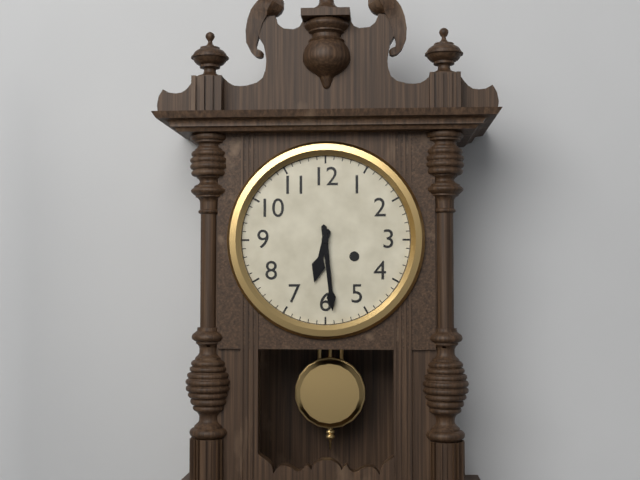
**6:29**
